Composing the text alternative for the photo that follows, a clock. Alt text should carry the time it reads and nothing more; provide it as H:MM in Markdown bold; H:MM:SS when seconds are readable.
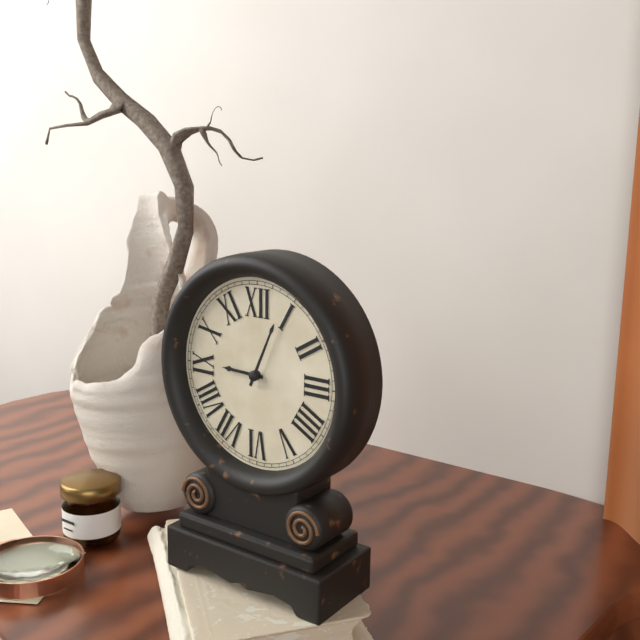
**9:04**
